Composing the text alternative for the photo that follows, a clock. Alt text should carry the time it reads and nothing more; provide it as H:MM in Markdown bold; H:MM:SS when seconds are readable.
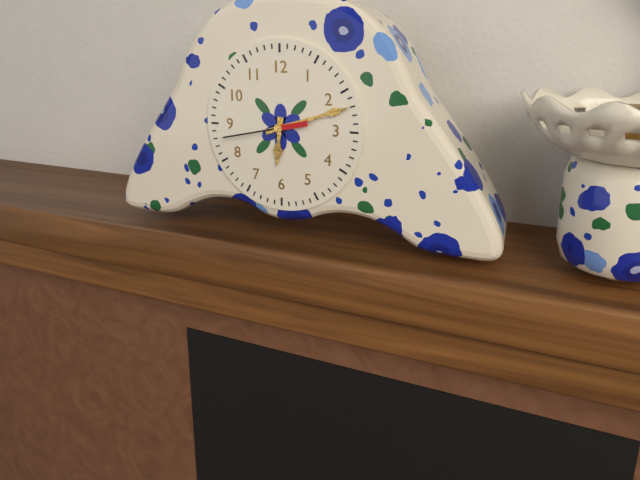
**6:12:43**
